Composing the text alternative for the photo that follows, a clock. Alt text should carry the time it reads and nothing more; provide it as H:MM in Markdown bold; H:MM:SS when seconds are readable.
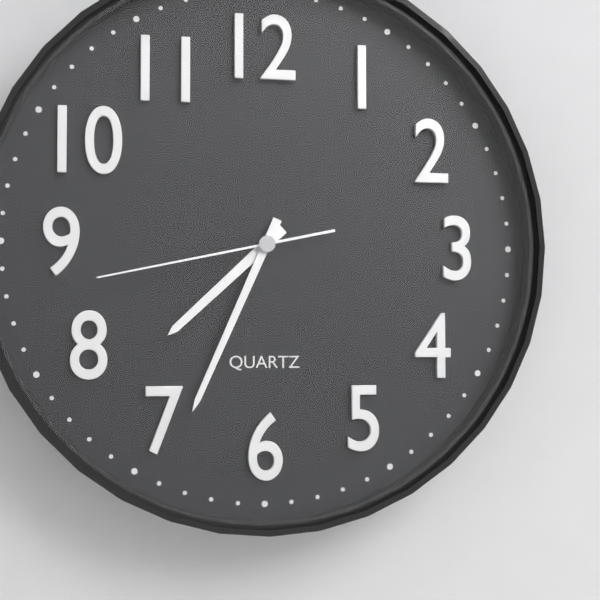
**7:34:43**
